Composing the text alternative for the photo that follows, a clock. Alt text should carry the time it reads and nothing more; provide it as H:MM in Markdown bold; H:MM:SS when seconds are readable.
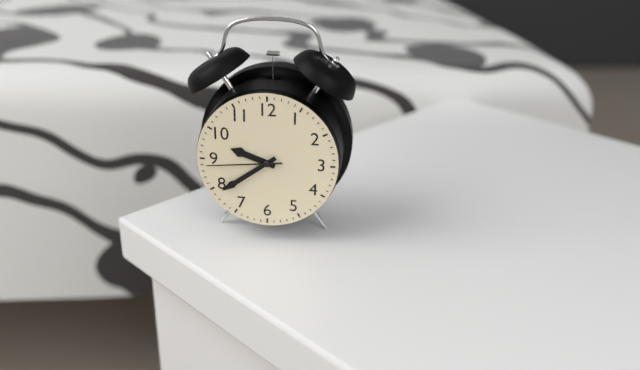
**9:39:44**
